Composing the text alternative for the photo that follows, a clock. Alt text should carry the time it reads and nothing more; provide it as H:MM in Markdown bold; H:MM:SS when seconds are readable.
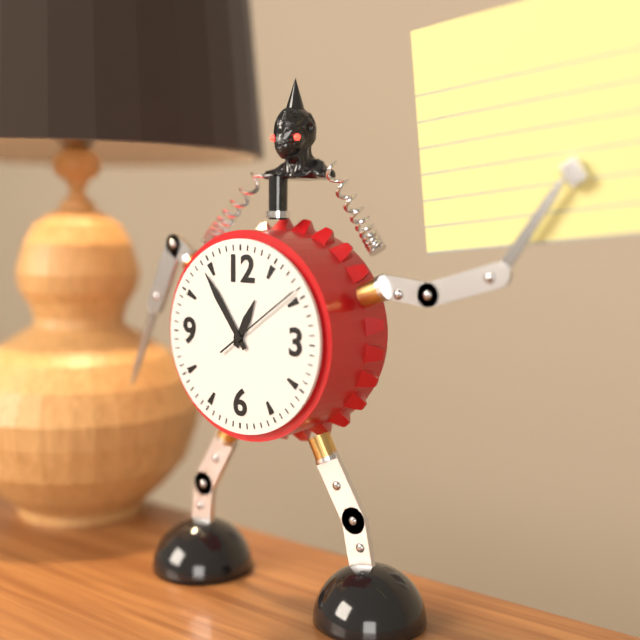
**12:54:09**
